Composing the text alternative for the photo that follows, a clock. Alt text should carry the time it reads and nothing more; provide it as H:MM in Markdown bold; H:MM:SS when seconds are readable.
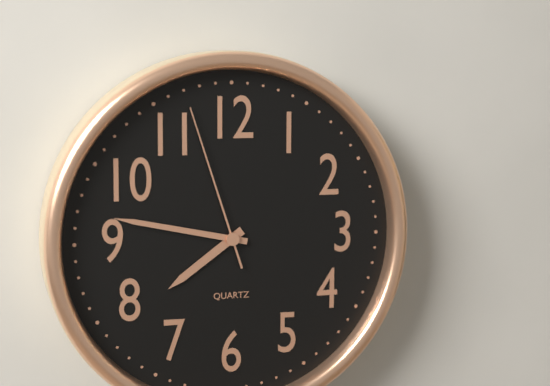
**7:47:57**
